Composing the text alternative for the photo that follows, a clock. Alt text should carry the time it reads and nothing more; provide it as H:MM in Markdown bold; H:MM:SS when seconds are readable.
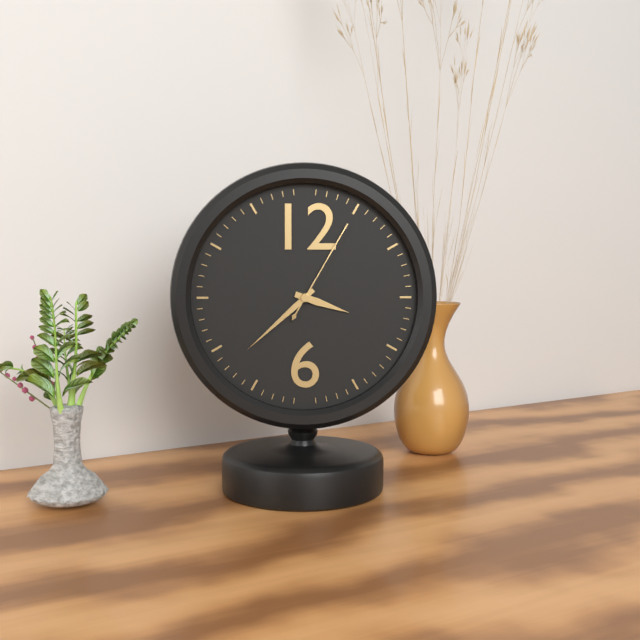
**3:38:05**
